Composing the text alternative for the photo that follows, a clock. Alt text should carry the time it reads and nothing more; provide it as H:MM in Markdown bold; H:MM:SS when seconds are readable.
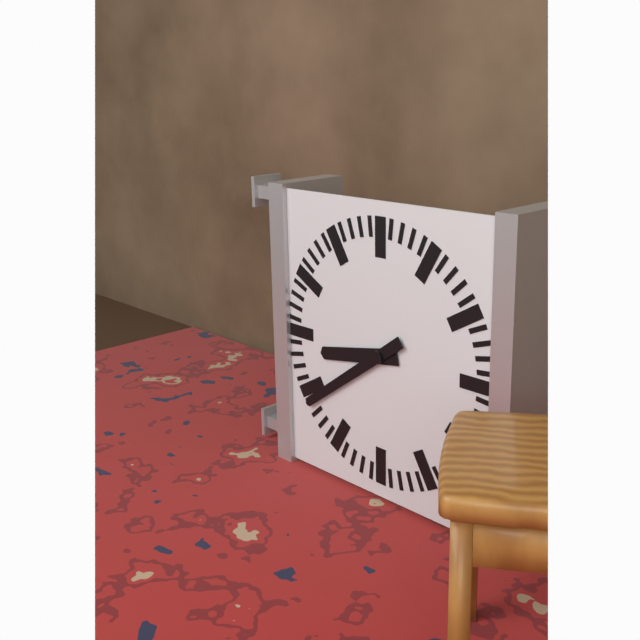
**8:39**
